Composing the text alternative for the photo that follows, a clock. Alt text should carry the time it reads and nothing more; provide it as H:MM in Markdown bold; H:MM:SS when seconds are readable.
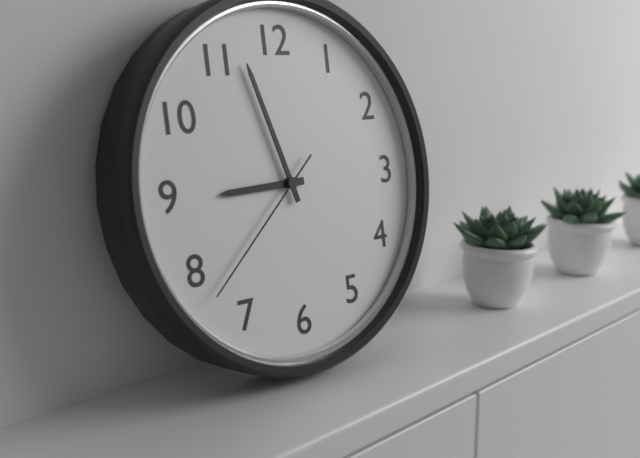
**8:57:38**
